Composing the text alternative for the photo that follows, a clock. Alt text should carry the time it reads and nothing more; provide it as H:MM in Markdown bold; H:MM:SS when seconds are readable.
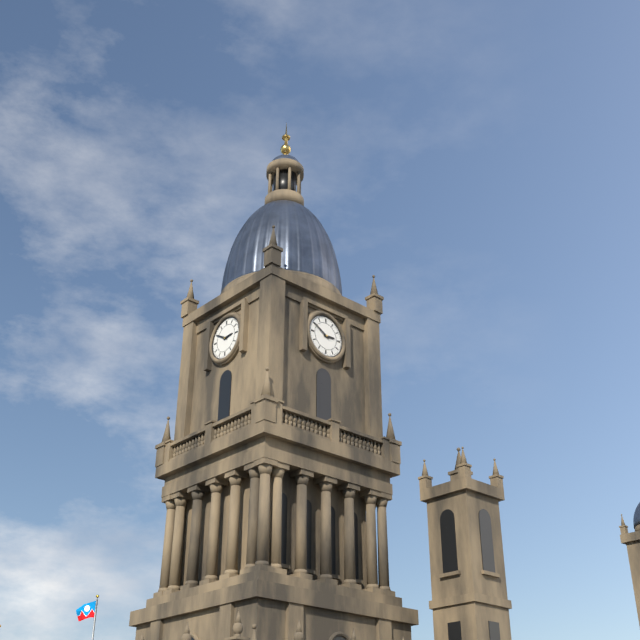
**2:50**
